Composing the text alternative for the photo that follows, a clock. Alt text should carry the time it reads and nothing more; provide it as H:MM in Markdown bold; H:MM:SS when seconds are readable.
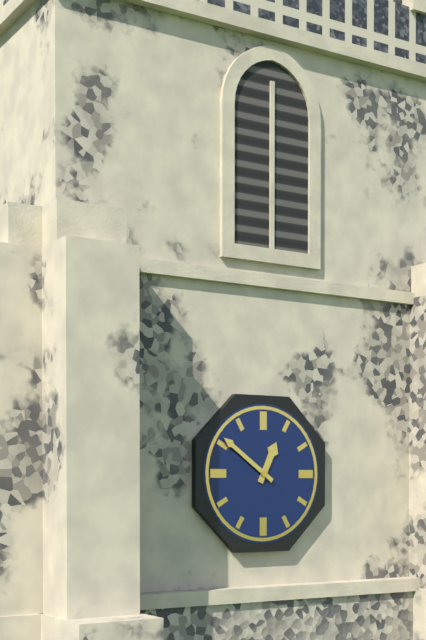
**12:51**
